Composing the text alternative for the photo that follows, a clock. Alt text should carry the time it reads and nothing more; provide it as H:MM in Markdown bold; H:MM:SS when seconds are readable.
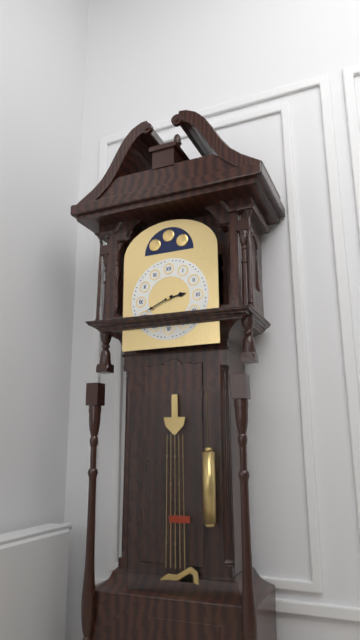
**2:41**
